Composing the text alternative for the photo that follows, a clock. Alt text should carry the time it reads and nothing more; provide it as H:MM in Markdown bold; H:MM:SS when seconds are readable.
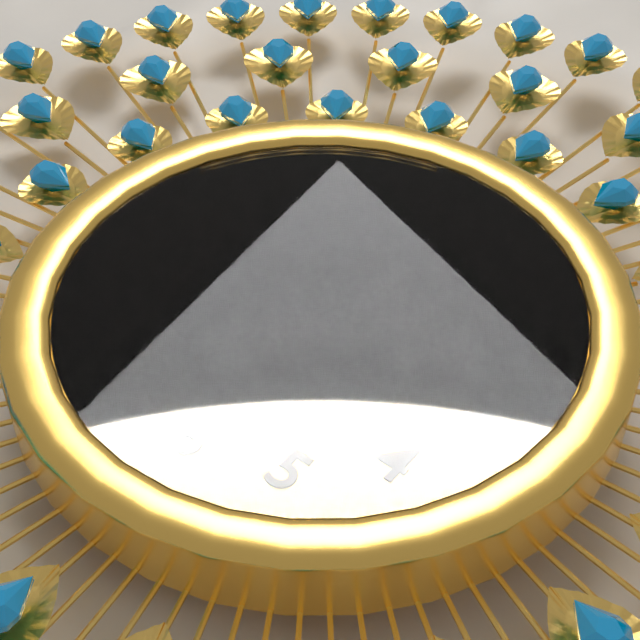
**1:45:57**
